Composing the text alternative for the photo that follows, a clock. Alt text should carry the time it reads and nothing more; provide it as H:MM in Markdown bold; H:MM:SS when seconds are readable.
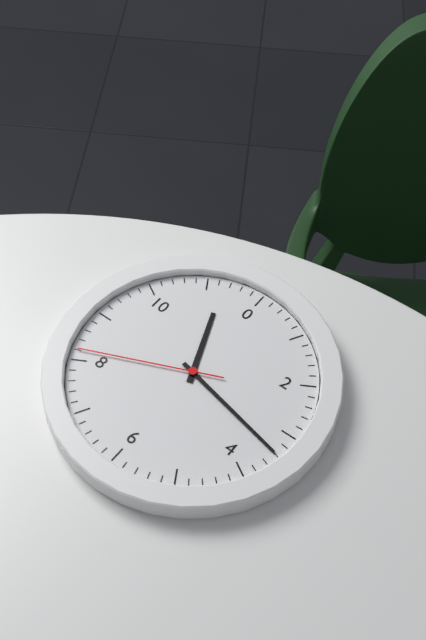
**11:17:41**
